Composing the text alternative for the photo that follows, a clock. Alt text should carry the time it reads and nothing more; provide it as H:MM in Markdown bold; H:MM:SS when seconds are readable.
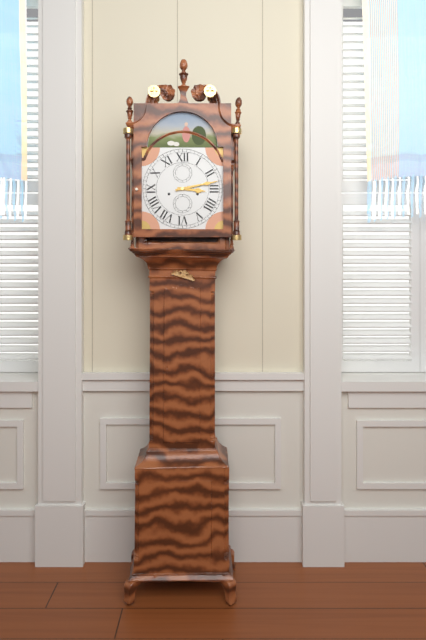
**3:13**
